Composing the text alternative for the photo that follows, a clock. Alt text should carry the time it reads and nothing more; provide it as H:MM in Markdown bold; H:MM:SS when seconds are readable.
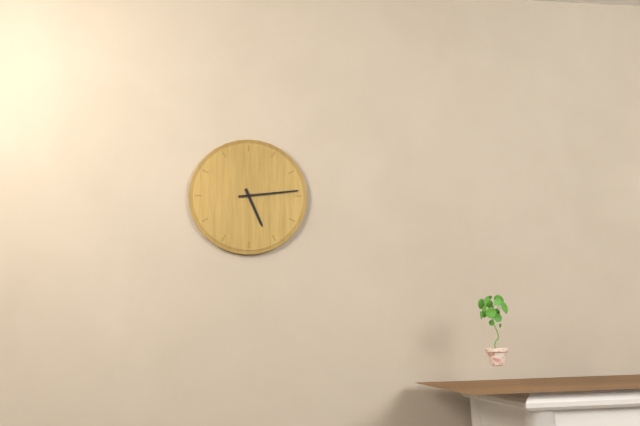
**5:14**
